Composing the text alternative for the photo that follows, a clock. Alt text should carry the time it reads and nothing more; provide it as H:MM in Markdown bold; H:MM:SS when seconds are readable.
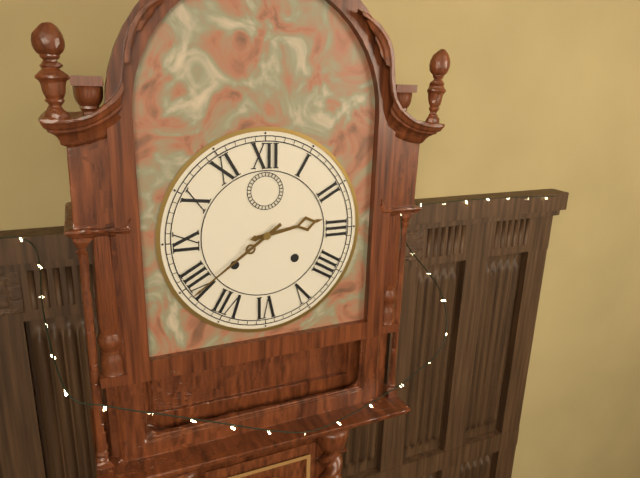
**2:39**
